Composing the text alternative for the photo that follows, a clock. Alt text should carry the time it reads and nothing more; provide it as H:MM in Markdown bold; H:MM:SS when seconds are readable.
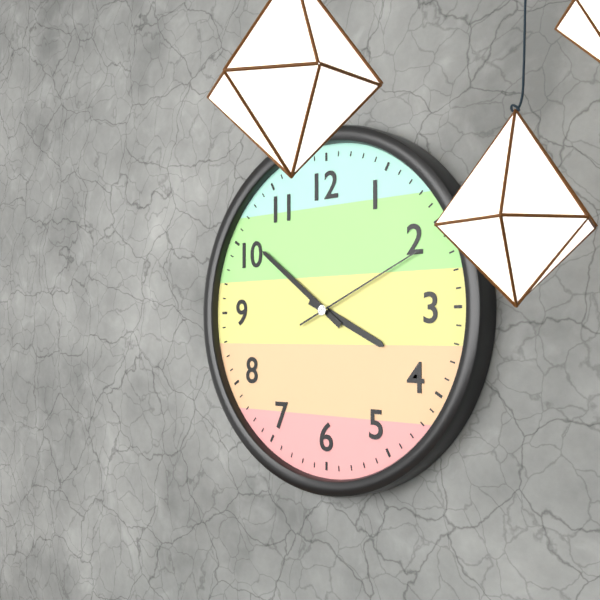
**3:51:11**
